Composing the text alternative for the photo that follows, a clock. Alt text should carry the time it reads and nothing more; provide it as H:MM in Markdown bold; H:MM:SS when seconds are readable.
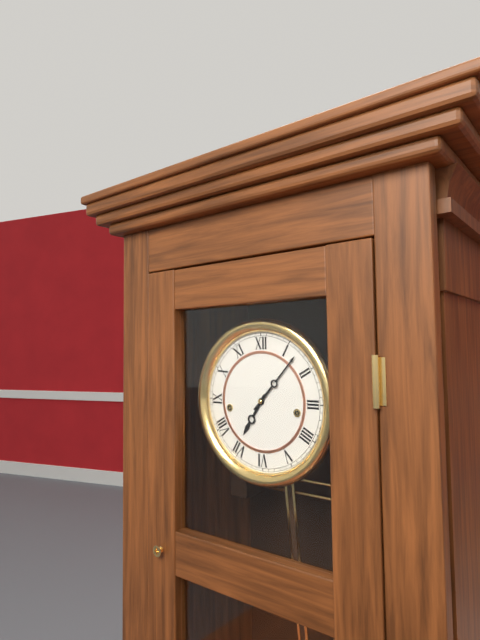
**7:07**
